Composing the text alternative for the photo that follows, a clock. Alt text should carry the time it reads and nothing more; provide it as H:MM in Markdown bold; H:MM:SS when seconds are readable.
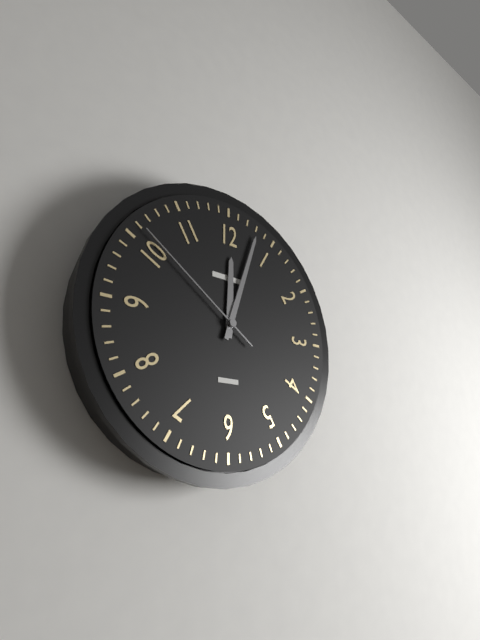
**12:03:51**
